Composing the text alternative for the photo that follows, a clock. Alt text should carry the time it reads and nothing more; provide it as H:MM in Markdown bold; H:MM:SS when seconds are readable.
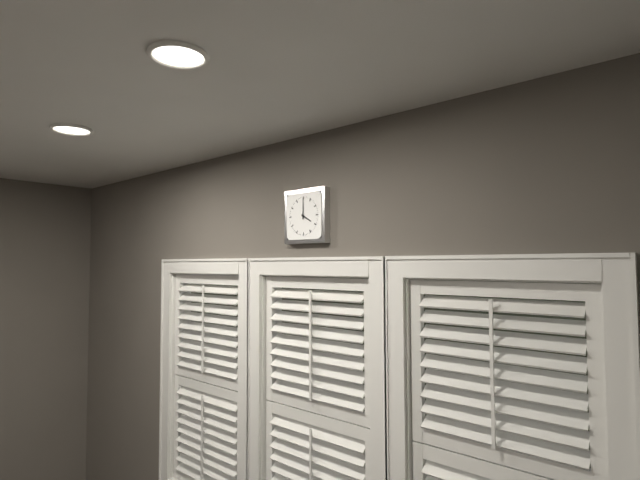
**4:00**
